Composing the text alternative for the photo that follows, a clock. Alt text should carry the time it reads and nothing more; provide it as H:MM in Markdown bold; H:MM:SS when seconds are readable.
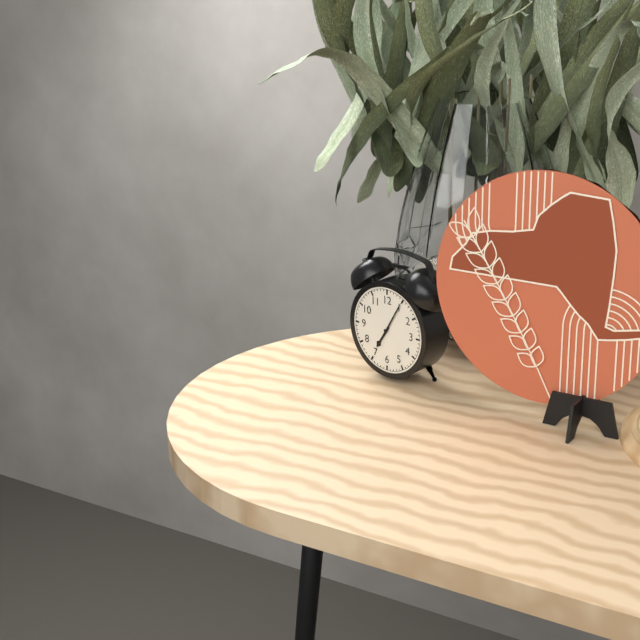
**7:05**
